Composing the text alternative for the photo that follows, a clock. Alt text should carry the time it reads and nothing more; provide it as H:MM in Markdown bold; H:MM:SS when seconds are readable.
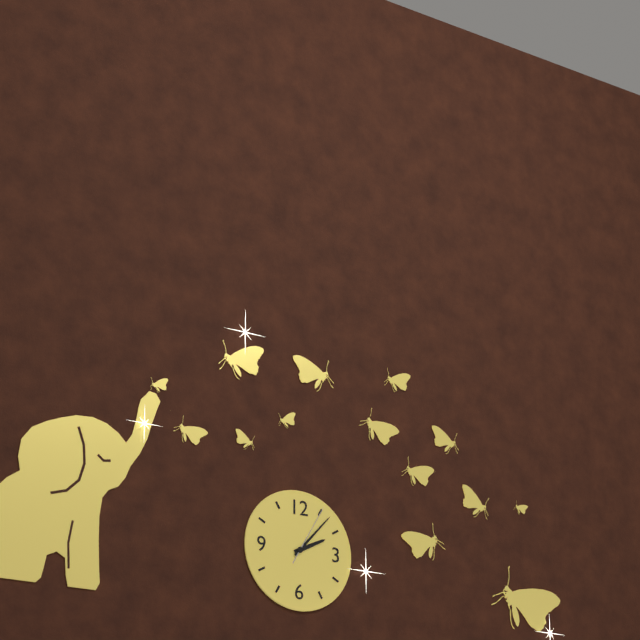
**2:07:05**
